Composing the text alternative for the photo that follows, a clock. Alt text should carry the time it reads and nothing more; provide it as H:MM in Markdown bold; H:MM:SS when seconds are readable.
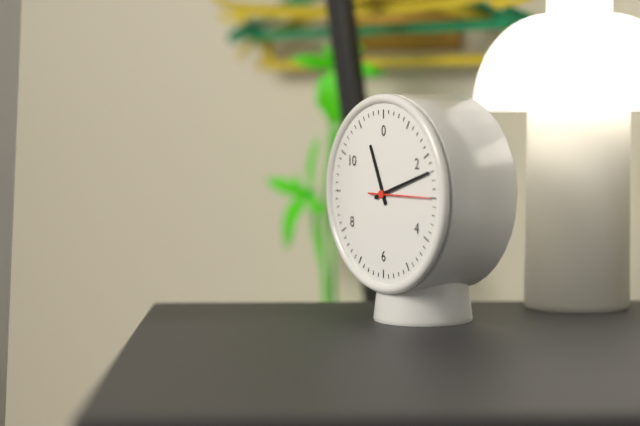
**11:12:15**
